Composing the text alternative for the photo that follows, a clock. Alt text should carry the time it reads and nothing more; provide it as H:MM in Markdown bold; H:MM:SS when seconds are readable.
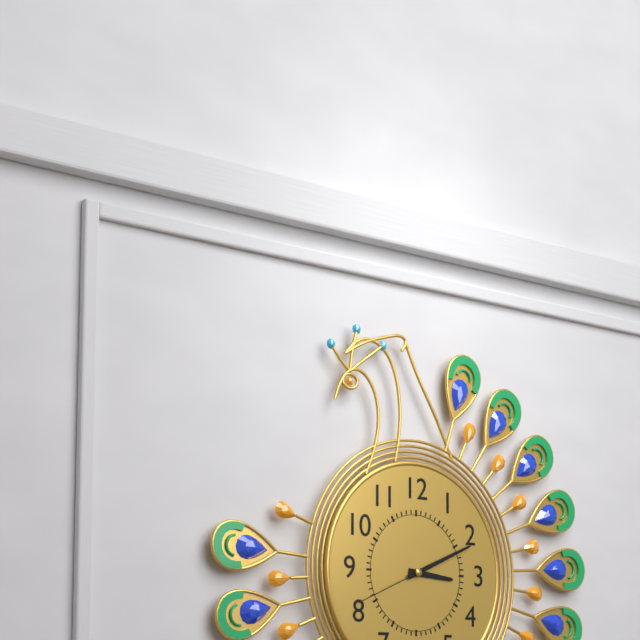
**3:11:41**
